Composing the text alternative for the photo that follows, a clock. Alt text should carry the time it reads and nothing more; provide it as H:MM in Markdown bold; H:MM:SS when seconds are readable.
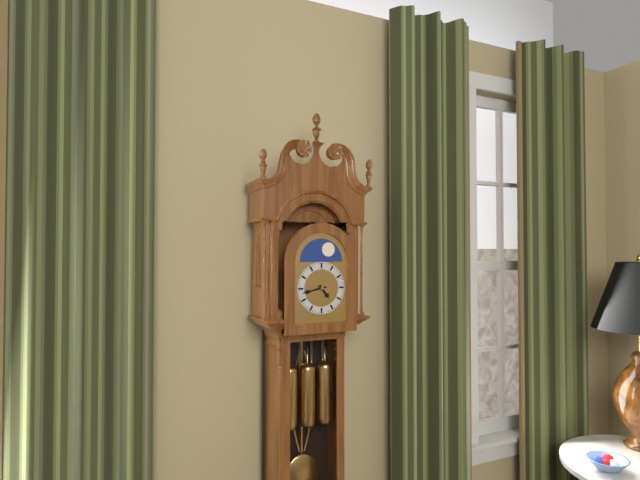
**4:43**
